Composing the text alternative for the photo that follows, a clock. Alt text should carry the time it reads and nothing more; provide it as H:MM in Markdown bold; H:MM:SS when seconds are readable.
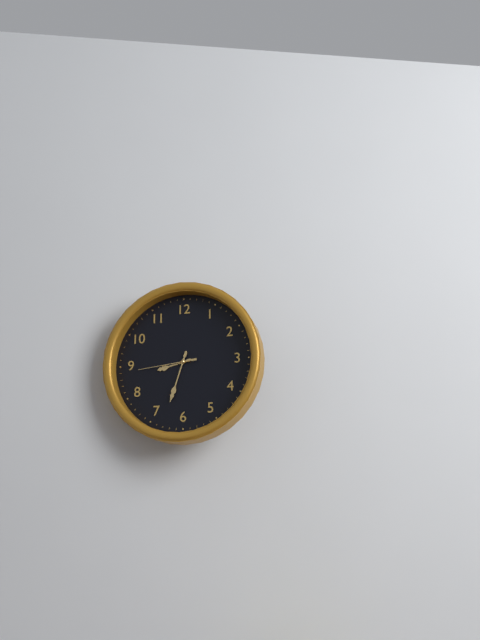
**8:33:44**
